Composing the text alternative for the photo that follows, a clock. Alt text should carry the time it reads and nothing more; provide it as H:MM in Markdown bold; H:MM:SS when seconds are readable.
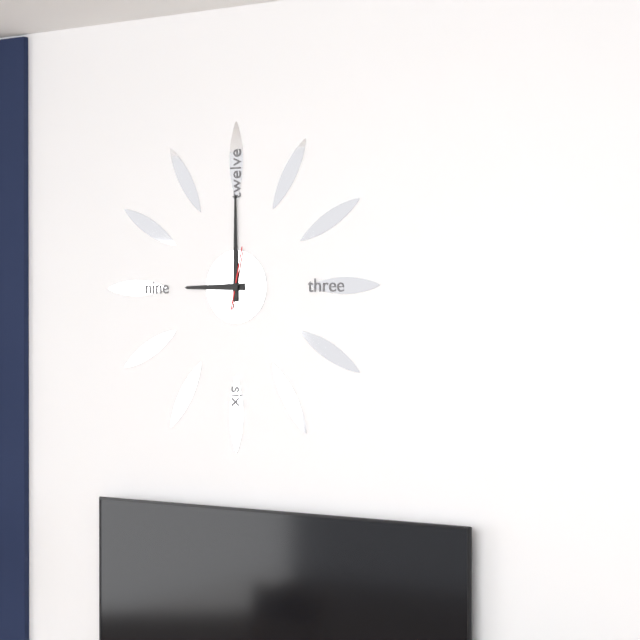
**9:00:02**
